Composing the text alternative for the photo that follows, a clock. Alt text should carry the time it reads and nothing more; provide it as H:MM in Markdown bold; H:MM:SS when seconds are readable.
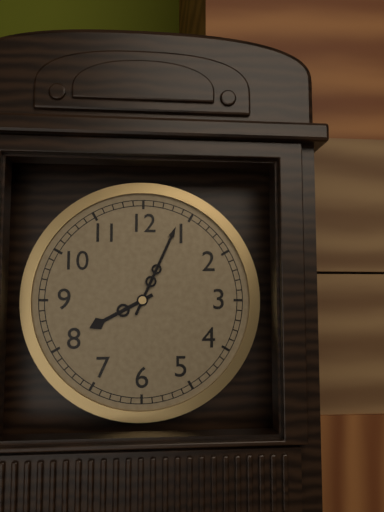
**8:04**
